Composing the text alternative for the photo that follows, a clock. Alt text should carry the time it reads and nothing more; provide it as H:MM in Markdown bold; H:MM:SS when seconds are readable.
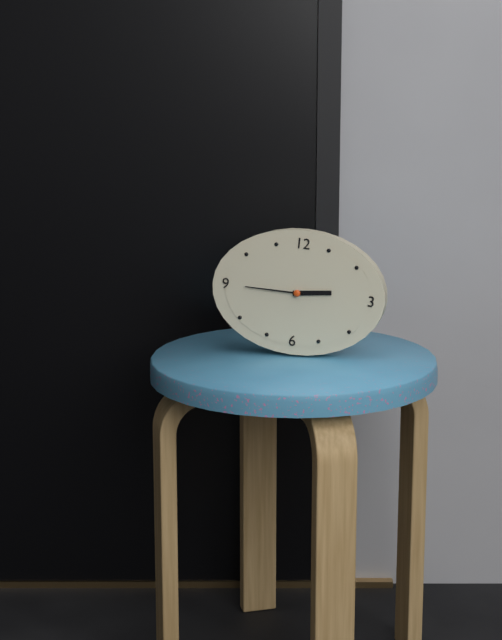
**2:45**
